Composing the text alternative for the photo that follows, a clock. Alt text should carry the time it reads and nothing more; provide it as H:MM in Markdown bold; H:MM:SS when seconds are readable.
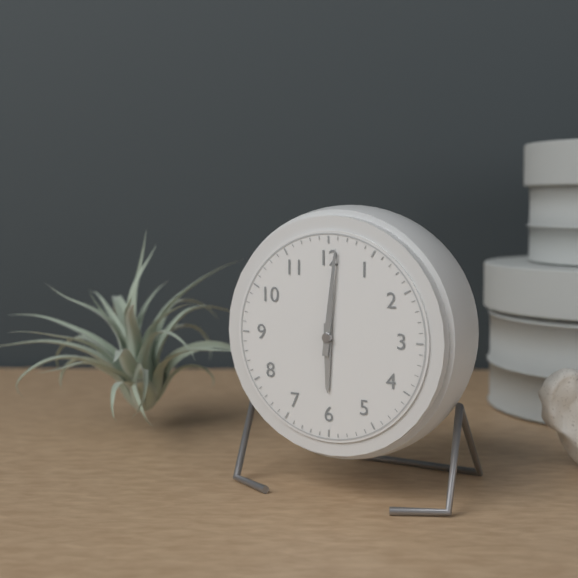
**6:01**
